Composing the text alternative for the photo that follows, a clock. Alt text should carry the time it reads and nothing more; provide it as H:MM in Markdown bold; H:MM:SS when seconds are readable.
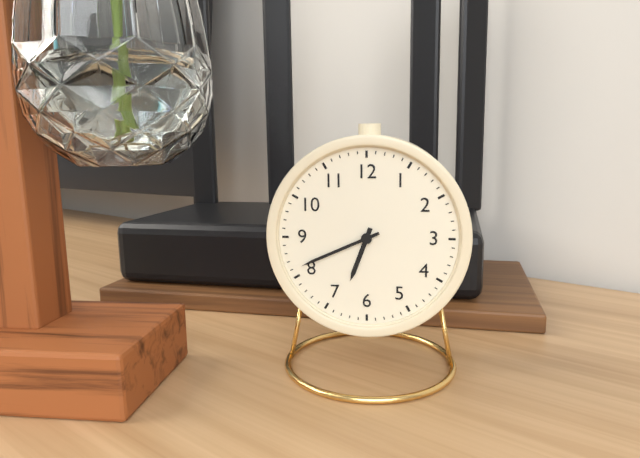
**6:41**
